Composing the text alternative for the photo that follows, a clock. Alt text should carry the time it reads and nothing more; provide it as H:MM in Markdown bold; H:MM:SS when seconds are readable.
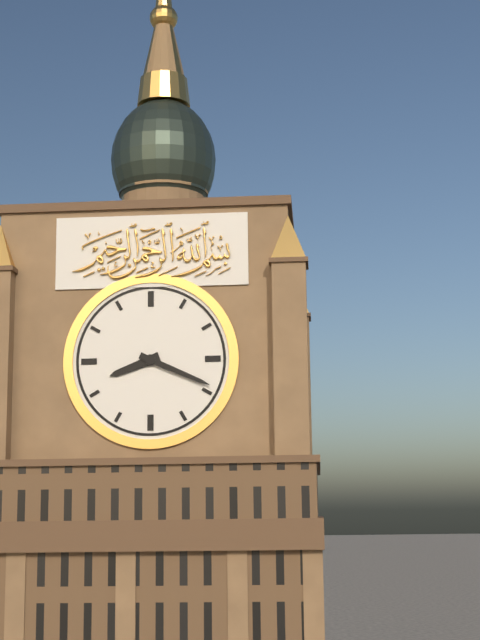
**8:19**
